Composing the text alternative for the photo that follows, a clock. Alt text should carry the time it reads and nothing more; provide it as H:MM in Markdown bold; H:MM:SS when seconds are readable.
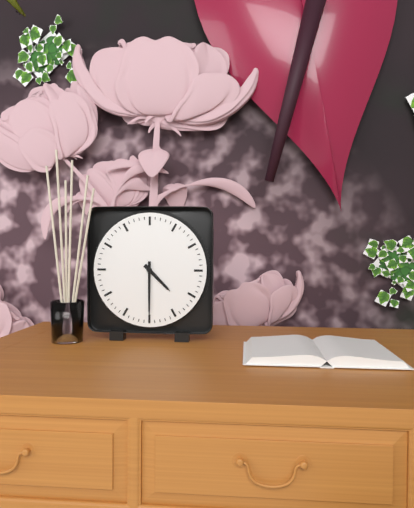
**4:30**
